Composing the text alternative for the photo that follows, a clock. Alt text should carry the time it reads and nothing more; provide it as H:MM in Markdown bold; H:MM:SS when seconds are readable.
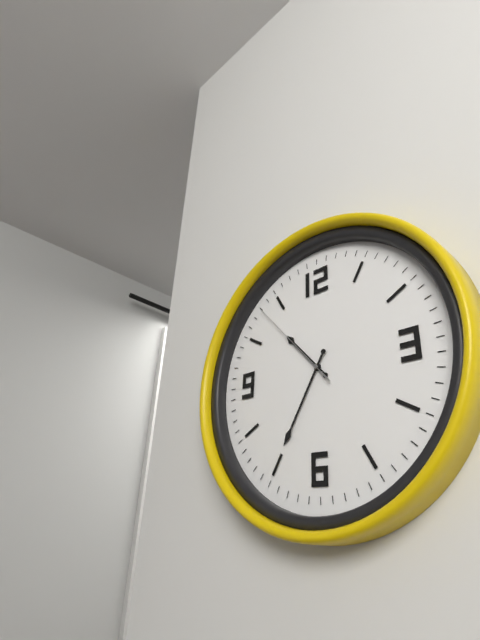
**10:35:53**
